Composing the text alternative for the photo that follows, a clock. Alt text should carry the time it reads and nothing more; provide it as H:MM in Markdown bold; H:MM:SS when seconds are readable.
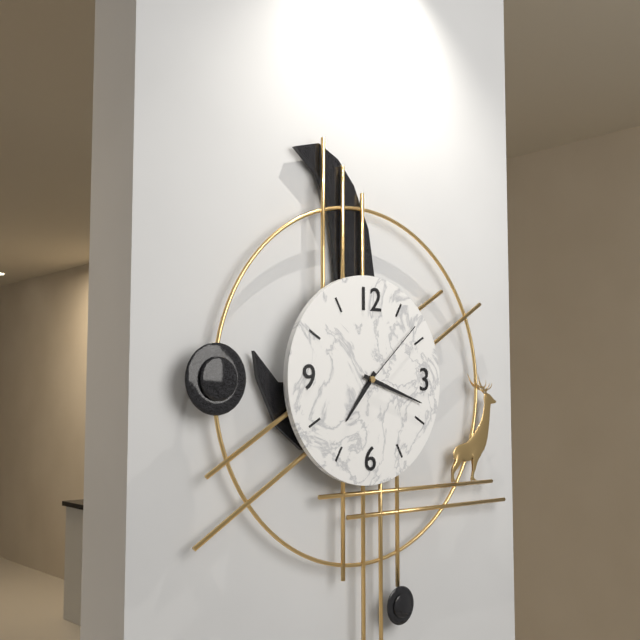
**7:18:08**
